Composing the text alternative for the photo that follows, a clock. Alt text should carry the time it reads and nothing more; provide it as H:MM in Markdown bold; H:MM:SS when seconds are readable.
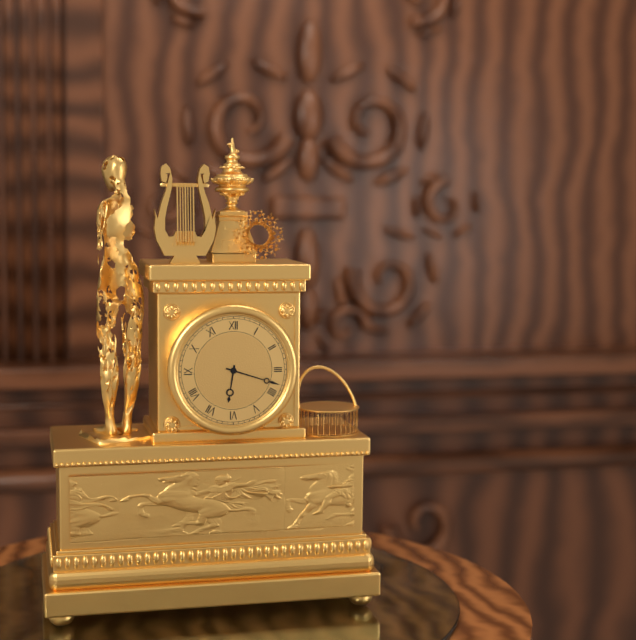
**6:18**
